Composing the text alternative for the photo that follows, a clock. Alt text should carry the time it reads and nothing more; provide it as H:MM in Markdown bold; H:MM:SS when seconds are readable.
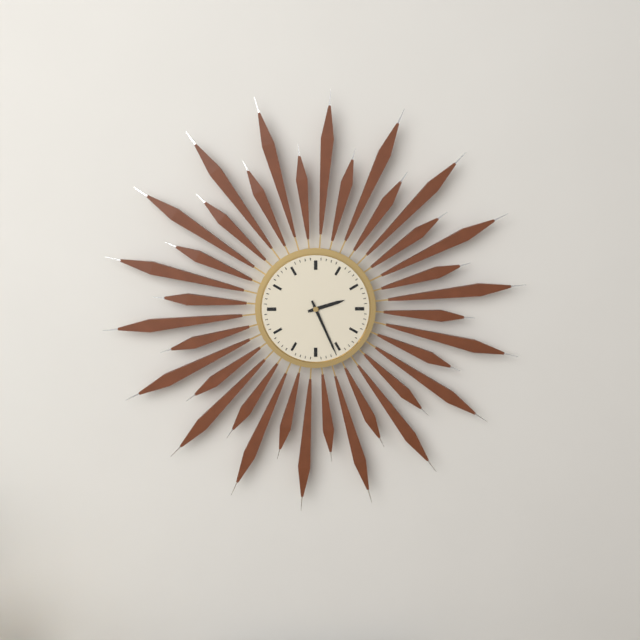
**2:26**
